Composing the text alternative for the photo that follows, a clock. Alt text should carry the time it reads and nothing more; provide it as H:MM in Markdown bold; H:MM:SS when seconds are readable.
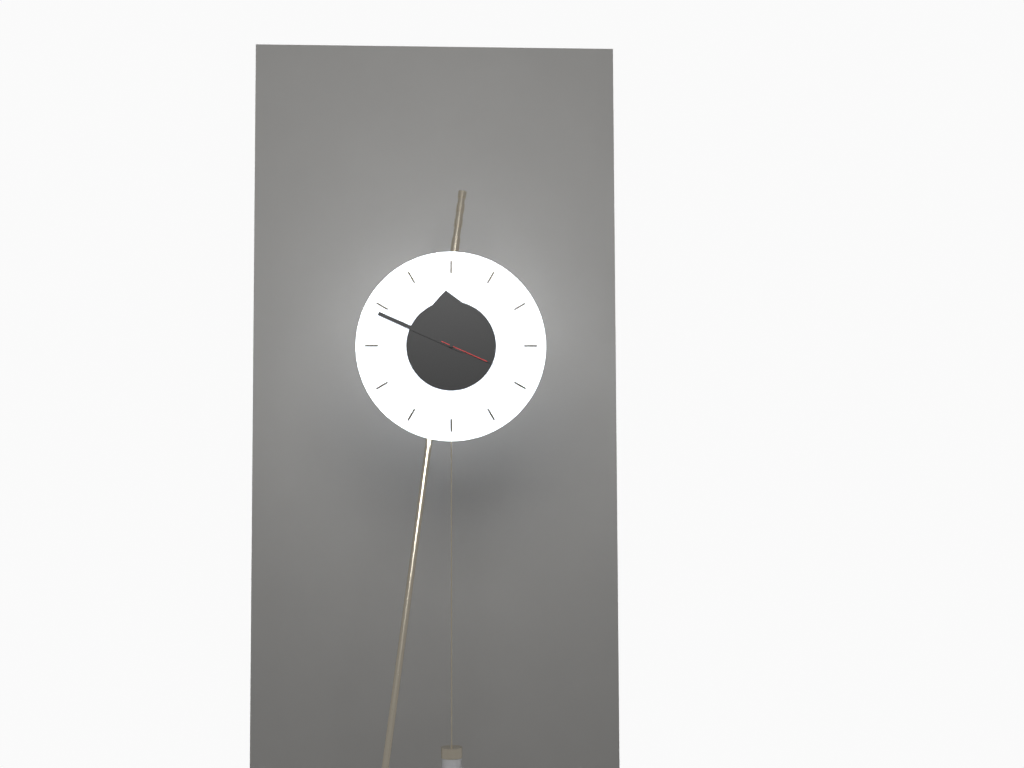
**11:49:19**
